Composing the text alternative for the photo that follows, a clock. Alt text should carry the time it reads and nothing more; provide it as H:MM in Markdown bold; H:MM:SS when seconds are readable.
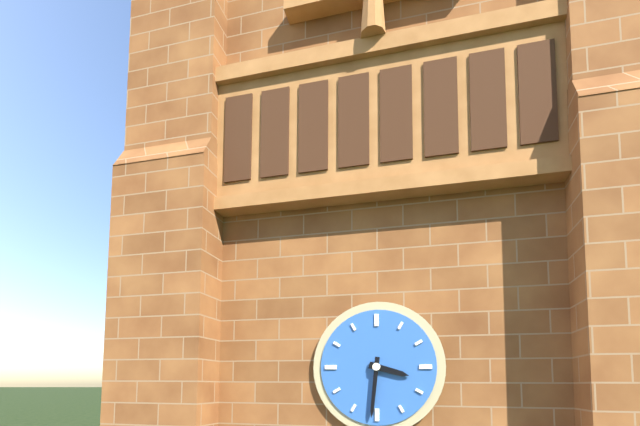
**3:31**
